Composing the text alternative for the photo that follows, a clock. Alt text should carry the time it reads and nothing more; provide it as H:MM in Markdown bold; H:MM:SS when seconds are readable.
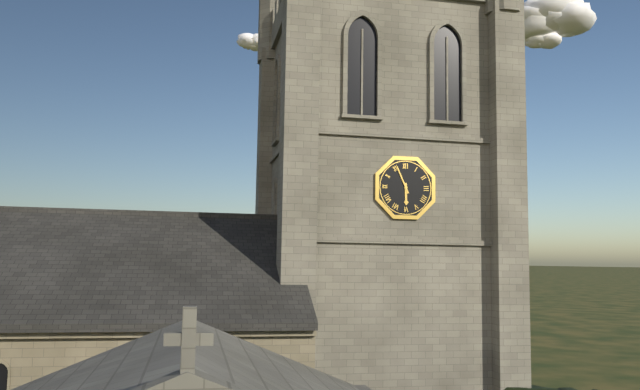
**5:56**
